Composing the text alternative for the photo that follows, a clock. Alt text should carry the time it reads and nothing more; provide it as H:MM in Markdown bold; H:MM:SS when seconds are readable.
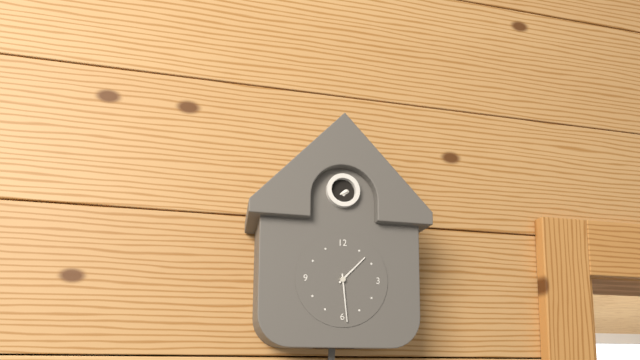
**1:29**
